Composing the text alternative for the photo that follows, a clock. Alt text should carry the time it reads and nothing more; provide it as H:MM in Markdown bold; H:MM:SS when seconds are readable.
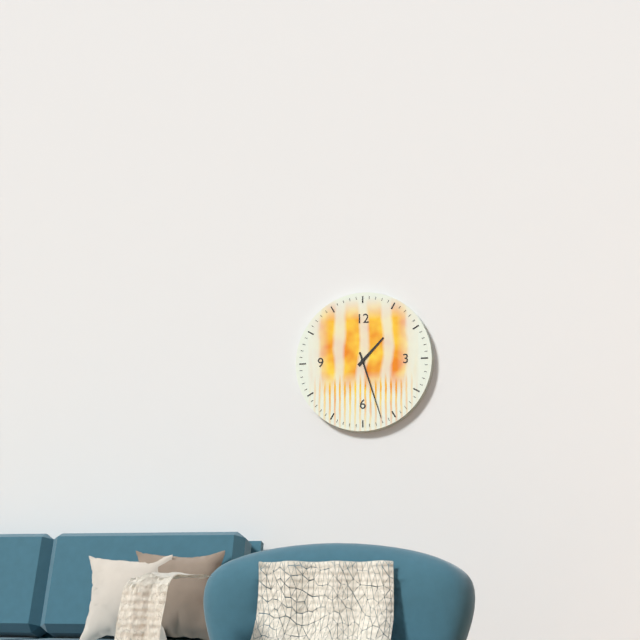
**1:27**
